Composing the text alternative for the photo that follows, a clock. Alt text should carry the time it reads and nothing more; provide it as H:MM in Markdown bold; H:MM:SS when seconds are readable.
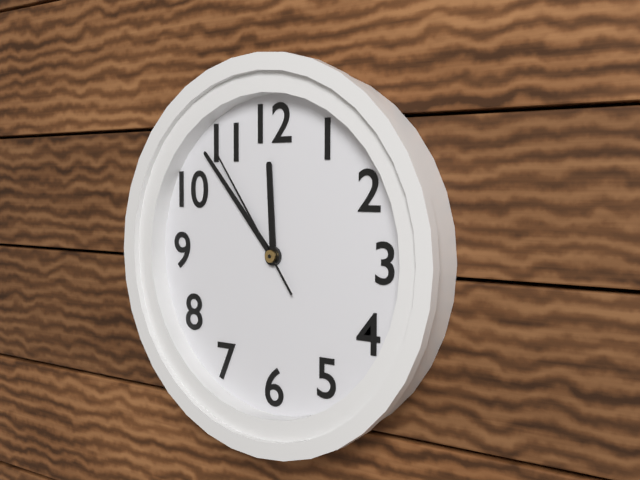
**11:53:54**
